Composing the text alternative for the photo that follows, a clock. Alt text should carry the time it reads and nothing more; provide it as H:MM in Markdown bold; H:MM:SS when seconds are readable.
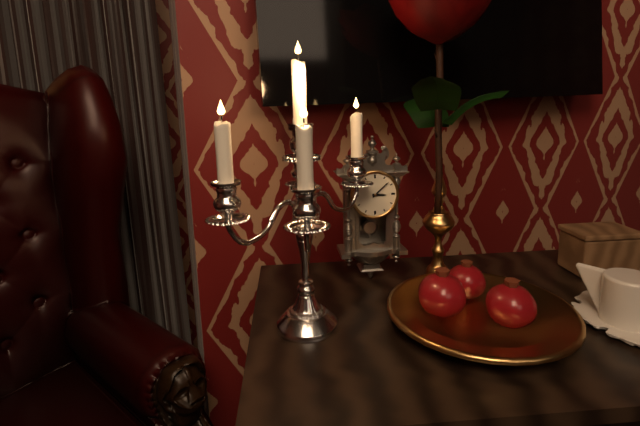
**3:08**
